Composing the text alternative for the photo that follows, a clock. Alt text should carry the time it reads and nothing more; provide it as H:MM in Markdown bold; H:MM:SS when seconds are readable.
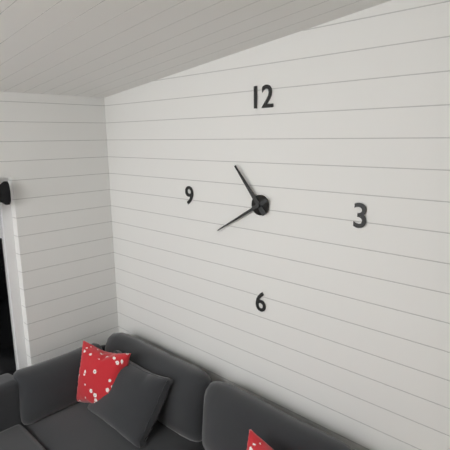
**10:40**
